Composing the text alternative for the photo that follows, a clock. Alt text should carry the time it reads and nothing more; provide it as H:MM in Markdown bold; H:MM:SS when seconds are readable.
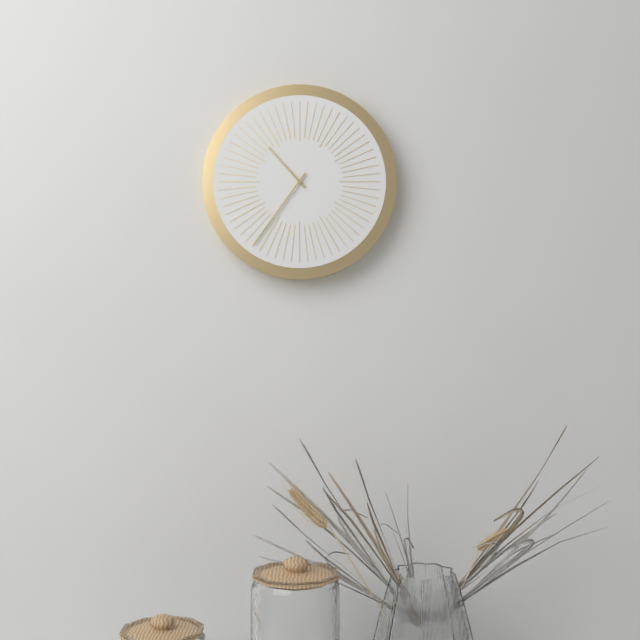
**10:36**
